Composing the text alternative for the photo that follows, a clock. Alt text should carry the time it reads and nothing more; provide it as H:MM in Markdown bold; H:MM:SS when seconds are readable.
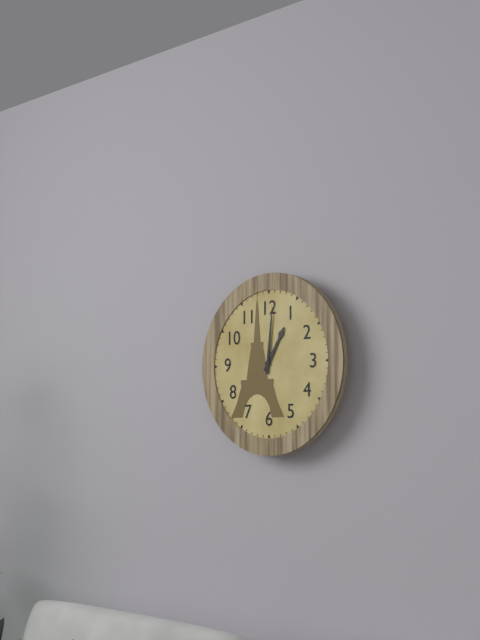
**1:01**
